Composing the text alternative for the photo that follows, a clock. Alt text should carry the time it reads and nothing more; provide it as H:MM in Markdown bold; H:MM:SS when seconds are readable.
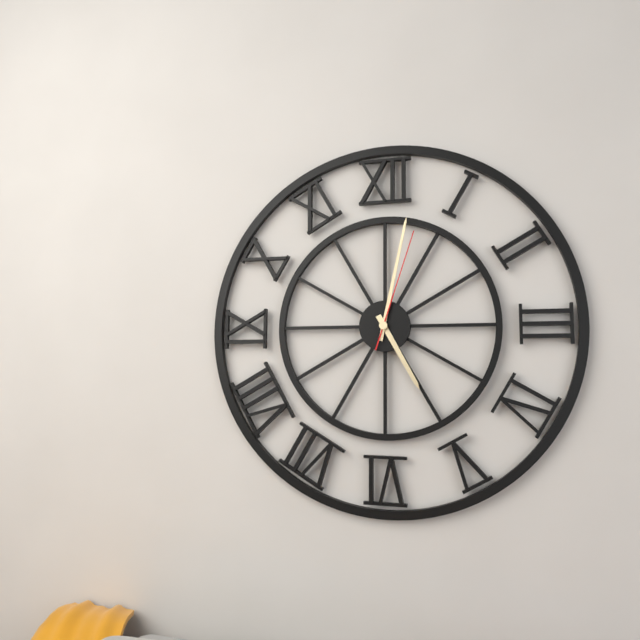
**5:02:03**
